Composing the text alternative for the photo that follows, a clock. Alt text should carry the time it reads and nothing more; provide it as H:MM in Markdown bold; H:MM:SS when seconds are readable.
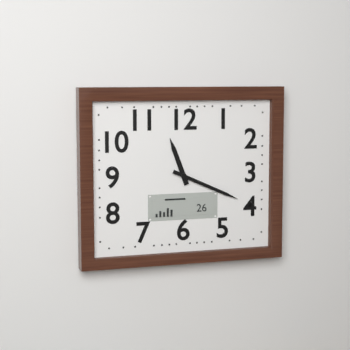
**11:19**
